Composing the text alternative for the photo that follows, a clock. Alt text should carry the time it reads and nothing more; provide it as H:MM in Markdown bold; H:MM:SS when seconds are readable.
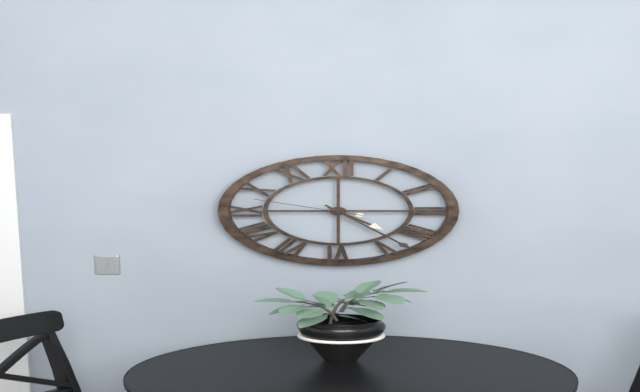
**4:23:48**
